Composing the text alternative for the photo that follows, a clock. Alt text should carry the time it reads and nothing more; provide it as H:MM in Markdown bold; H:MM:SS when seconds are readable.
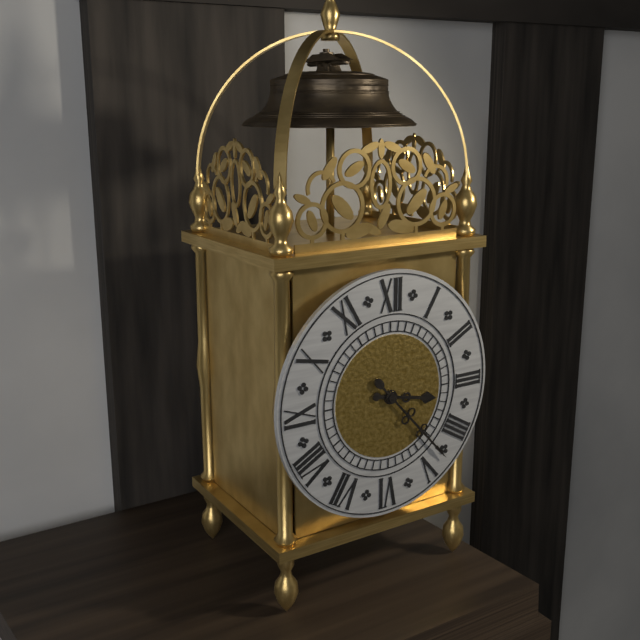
**3:23**
